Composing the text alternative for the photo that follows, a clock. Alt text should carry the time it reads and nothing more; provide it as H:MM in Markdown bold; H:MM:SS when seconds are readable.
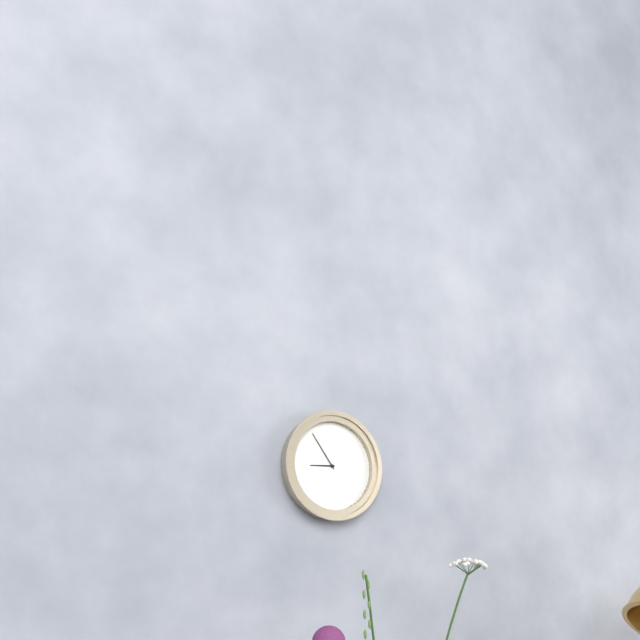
**8:54**
